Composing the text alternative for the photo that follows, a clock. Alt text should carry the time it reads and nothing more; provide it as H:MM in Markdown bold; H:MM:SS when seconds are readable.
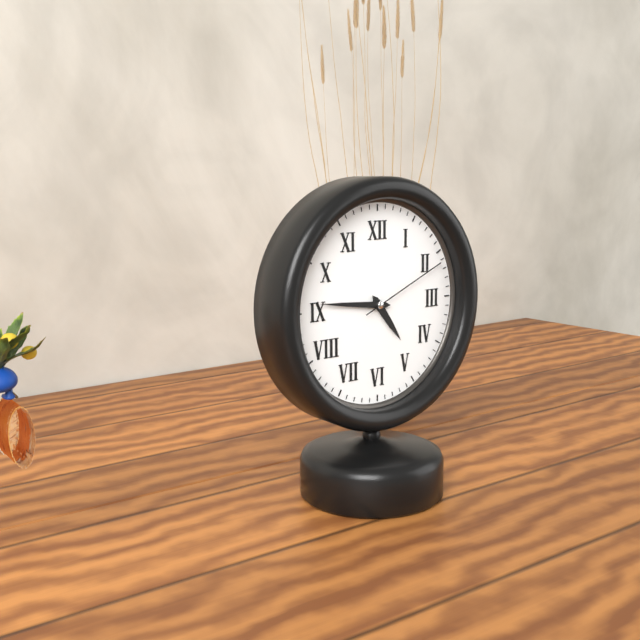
**4:46:11**
